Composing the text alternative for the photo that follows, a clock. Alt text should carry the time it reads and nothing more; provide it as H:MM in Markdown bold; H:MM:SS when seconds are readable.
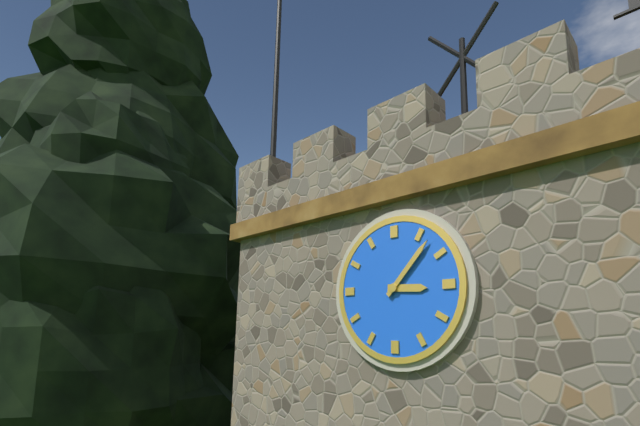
**3:07**
